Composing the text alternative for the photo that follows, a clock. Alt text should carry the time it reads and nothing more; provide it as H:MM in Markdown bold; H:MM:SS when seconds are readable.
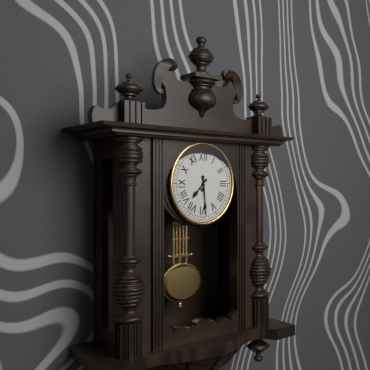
**7:29**
